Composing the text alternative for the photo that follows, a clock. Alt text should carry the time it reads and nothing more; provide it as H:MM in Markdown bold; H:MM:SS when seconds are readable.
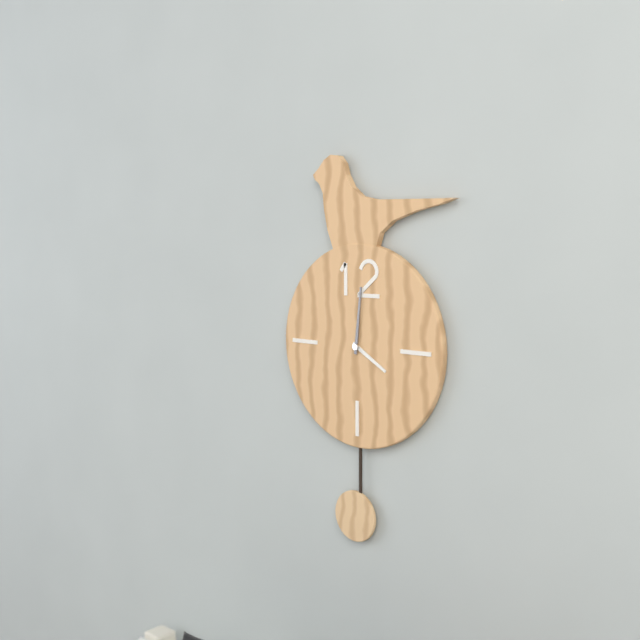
**4:01**
